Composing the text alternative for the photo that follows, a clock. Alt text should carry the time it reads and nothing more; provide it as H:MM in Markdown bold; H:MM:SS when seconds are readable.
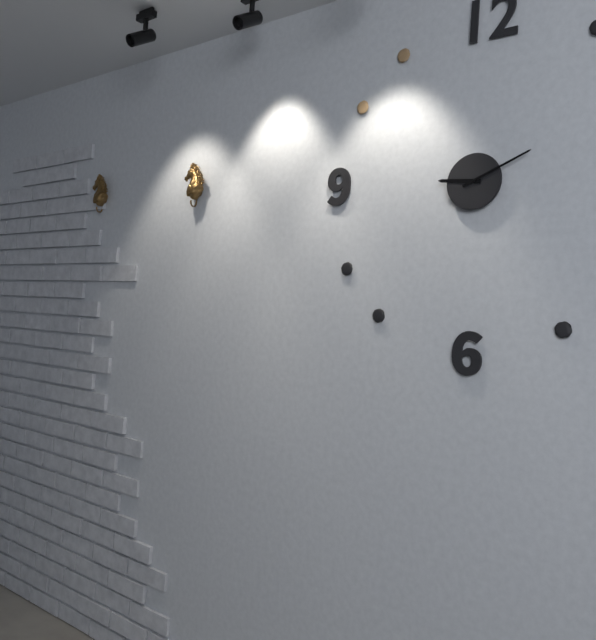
**9:11**
